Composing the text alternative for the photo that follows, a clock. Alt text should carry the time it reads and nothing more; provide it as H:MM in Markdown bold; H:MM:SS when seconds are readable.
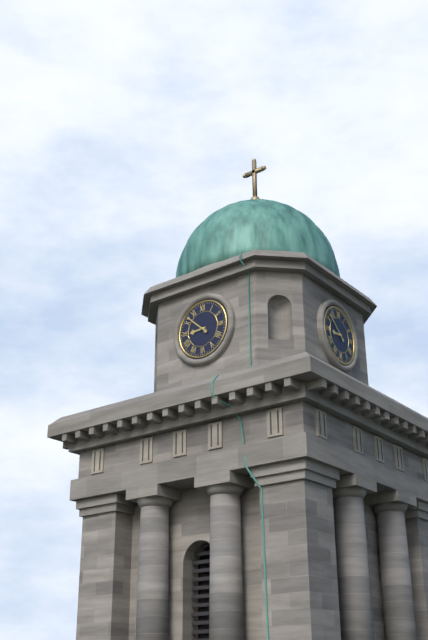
**8:52**
